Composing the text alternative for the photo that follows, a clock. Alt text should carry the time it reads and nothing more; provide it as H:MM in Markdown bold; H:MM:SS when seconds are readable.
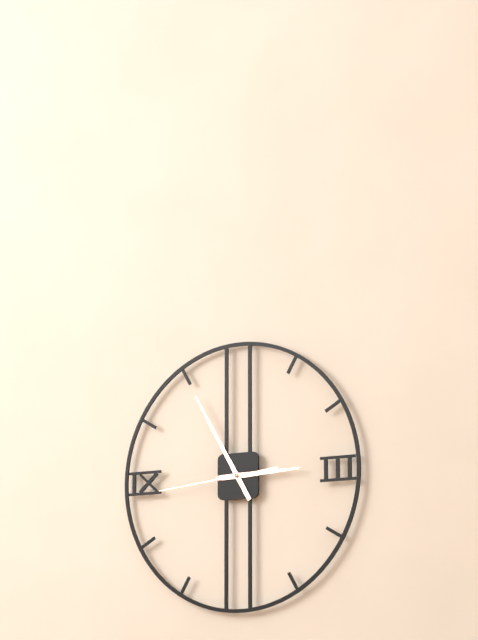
**2:55:44**
